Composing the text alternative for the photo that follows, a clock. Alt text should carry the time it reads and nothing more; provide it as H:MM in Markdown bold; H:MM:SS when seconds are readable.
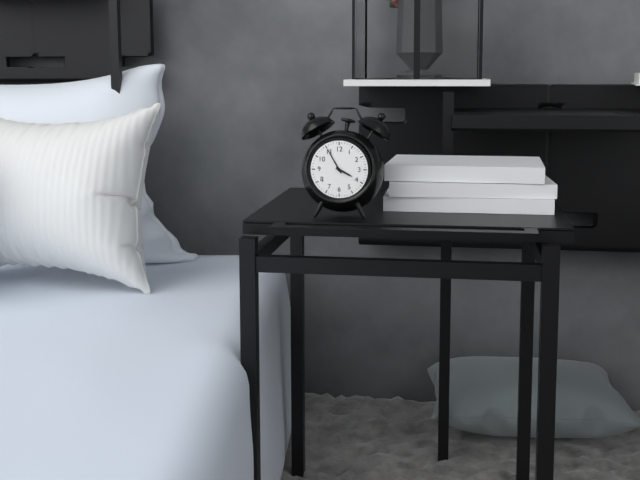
**3:55**
